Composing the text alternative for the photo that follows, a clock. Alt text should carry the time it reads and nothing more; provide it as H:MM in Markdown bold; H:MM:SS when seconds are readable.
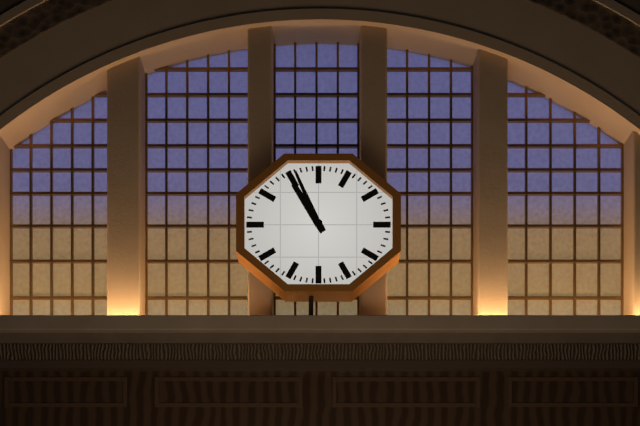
**10:56**
